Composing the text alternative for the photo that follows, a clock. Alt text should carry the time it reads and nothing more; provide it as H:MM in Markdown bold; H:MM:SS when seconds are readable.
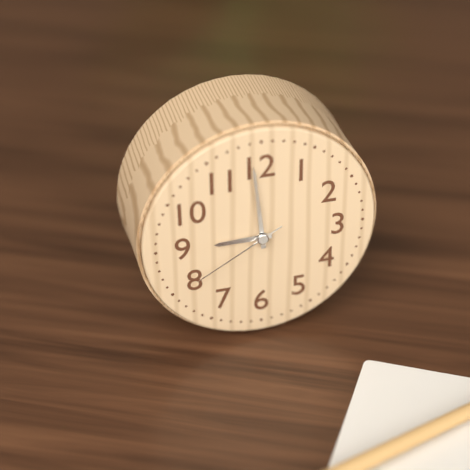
**8:59:40**
